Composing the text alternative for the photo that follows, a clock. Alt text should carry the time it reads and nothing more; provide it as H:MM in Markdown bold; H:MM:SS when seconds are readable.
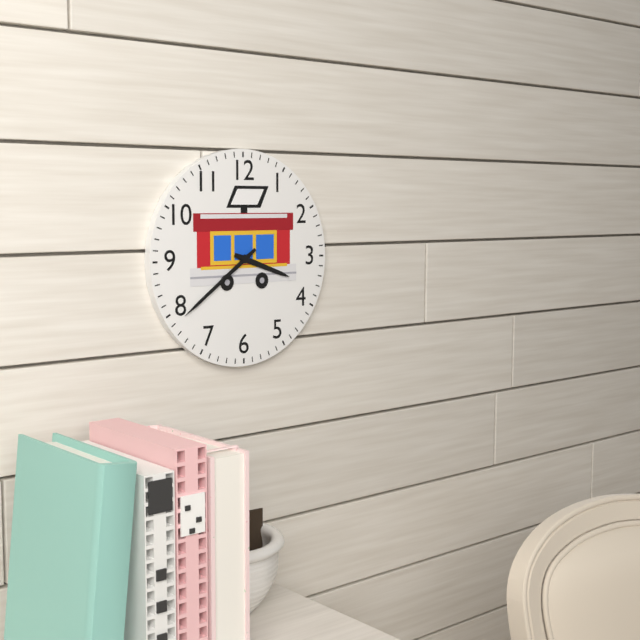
**3:39**
